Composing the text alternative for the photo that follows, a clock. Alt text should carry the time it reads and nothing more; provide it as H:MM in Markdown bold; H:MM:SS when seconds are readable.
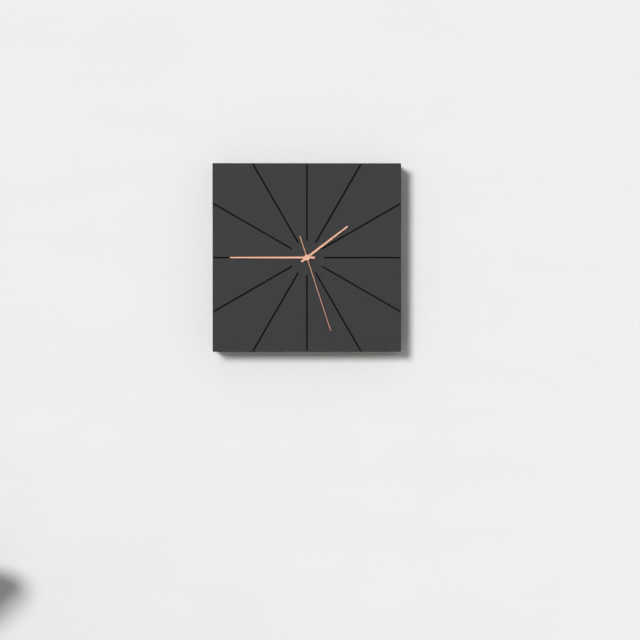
**1:45:27**
